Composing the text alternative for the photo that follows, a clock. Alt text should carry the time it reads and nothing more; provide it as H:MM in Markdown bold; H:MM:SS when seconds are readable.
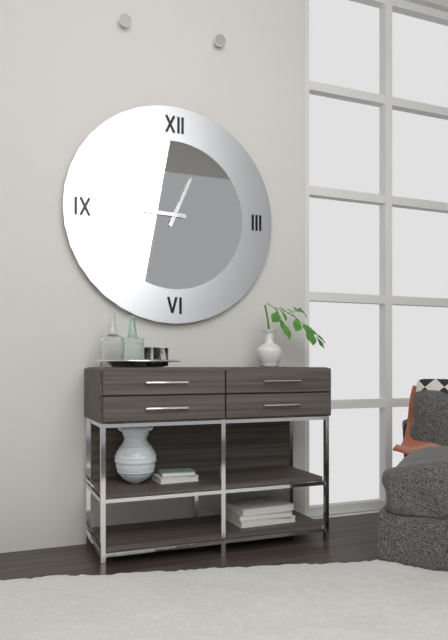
**9:04**
